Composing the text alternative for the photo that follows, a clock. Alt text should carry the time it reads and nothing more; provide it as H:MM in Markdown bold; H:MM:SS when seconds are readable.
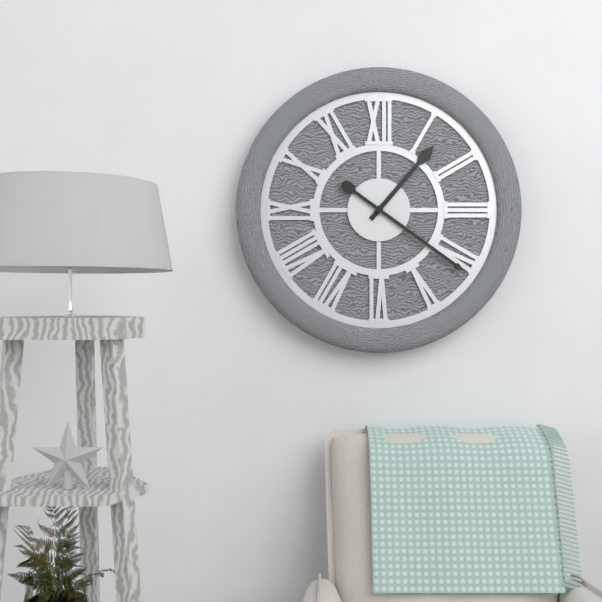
**1:21**
